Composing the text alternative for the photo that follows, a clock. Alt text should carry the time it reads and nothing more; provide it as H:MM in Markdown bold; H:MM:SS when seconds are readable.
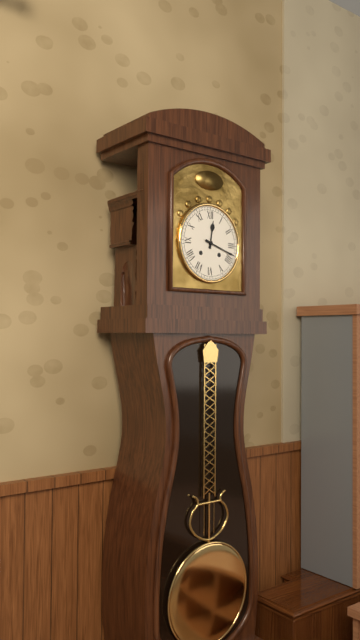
**12:18**
